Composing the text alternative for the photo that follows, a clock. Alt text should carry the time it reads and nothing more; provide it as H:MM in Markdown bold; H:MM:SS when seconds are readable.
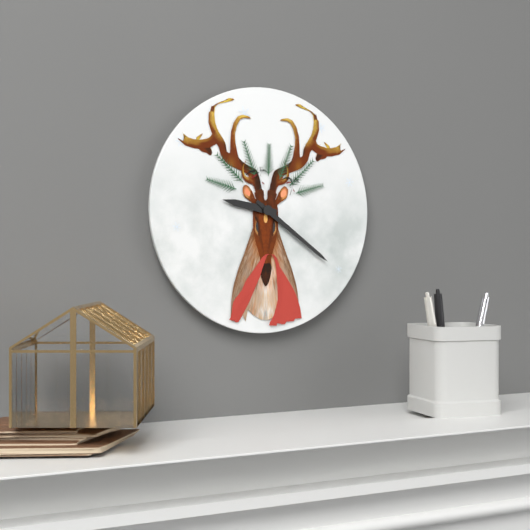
**9:21**
